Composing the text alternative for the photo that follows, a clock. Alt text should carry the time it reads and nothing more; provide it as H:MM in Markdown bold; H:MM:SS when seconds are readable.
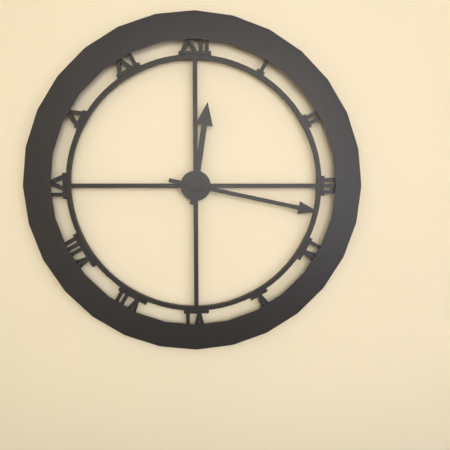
**12:17**
